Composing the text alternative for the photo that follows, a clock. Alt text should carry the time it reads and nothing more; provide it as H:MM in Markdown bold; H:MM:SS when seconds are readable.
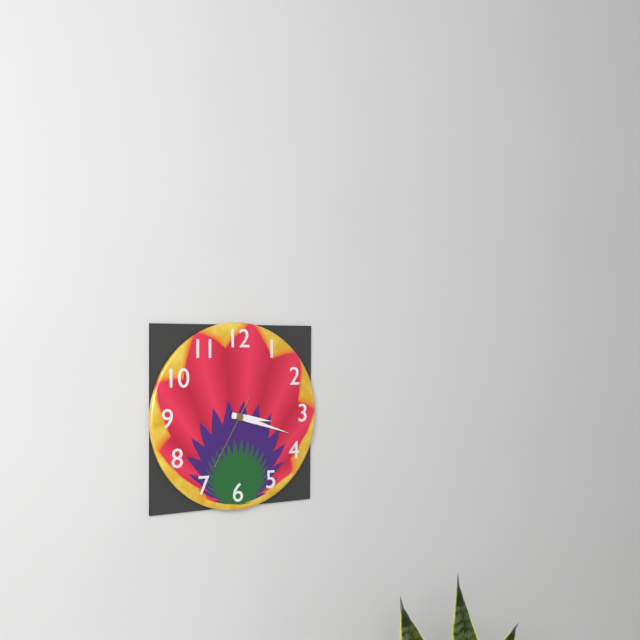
**3:18:35**
